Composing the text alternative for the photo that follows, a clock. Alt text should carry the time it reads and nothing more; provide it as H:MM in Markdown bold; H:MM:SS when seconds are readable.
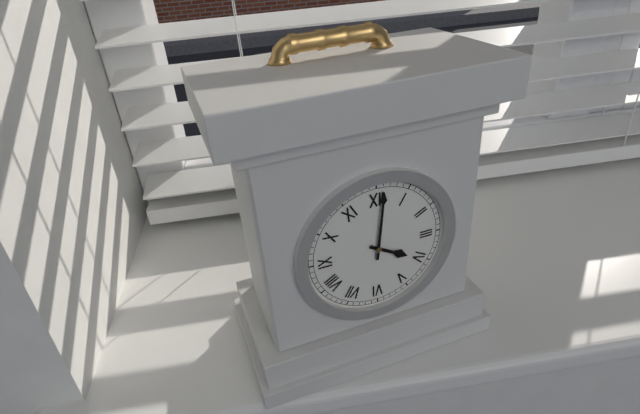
**4:01**
